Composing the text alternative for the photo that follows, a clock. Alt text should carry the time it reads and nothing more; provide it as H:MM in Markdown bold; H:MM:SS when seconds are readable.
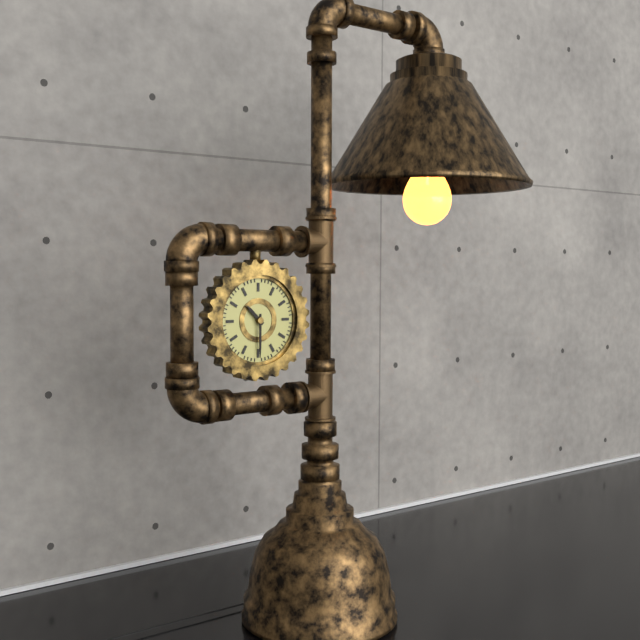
**10:30**
